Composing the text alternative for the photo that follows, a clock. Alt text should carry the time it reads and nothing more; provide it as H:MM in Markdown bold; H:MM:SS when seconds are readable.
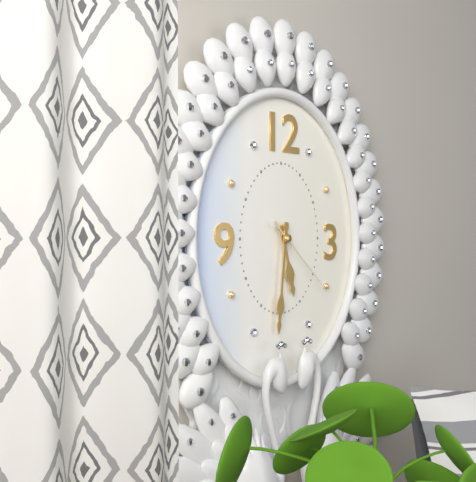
**5:31:22**
